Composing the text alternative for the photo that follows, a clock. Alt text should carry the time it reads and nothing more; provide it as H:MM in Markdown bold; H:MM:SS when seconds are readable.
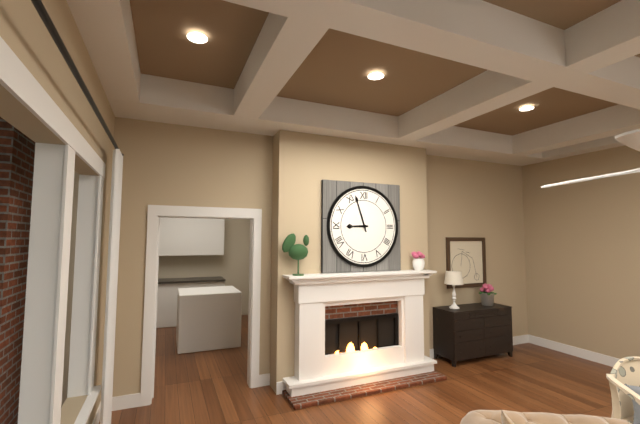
**8:57**
